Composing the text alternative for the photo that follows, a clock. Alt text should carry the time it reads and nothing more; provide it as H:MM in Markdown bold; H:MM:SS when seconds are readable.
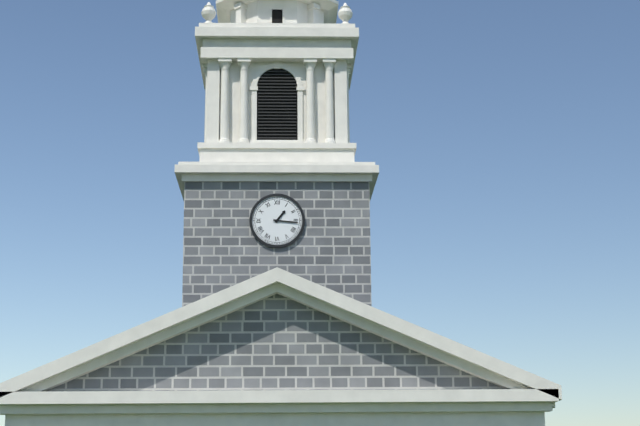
**1:16**
